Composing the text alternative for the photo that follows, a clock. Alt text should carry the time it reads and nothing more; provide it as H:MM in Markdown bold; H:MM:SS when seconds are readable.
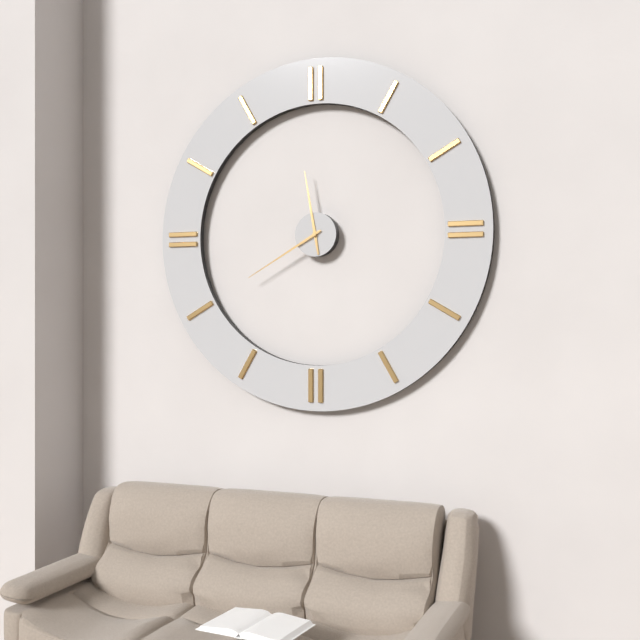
**11:40**
